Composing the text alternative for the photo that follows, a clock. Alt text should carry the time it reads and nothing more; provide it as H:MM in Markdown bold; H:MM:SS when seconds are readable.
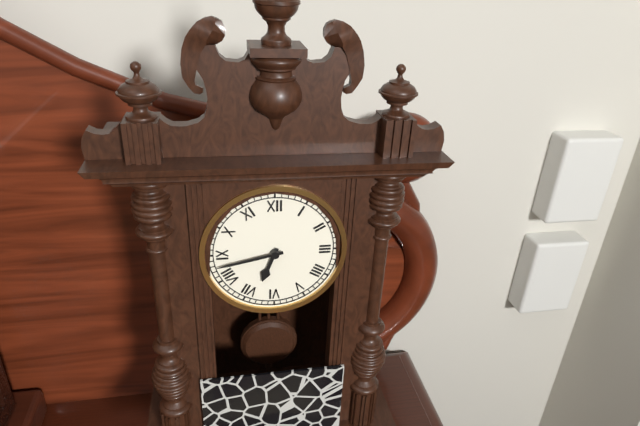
**6:43**
